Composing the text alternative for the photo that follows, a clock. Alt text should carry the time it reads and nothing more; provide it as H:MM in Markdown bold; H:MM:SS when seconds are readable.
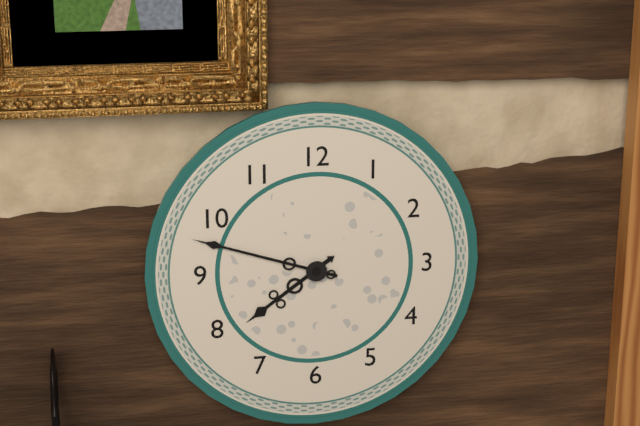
**7:48**
